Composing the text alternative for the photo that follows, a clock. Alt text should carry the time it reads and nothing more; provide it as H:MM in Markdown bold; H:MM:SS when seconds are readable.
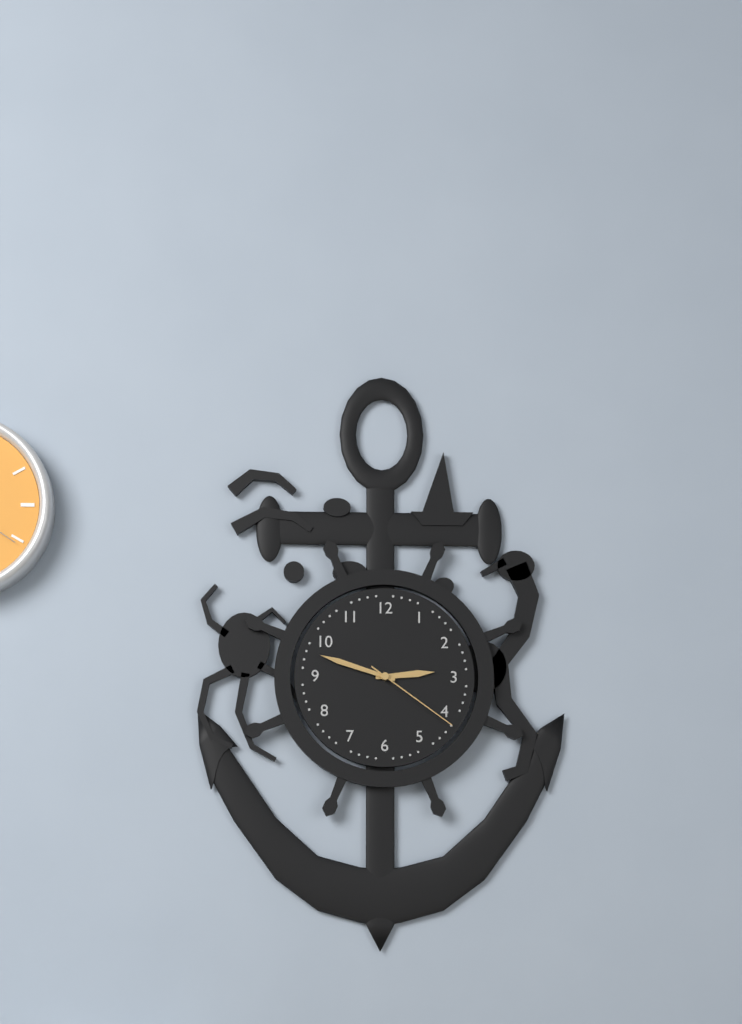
**2:48:21**
